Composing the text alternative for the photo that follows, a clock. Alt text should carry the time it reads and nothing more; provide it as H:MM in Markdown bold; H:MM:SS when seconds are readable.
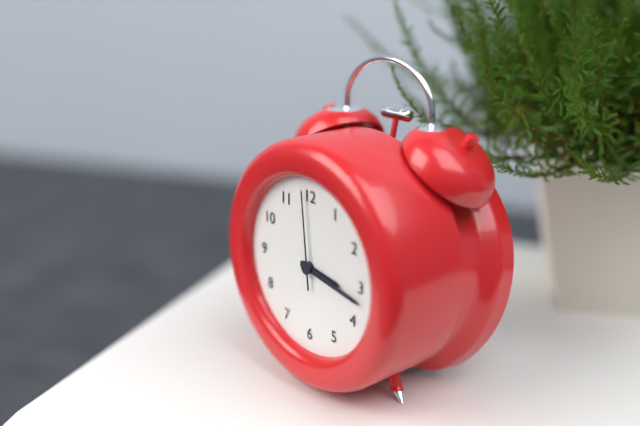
**3:17:59**
